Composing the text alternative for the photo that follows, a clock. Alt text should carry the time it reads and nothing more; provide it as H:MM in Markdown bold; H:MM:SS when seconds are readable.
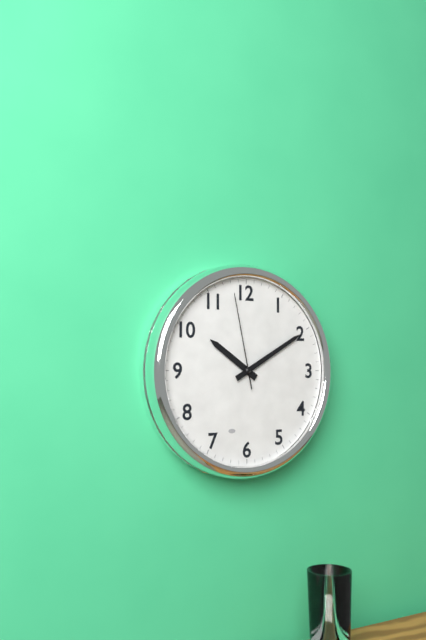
**10:10:58**
